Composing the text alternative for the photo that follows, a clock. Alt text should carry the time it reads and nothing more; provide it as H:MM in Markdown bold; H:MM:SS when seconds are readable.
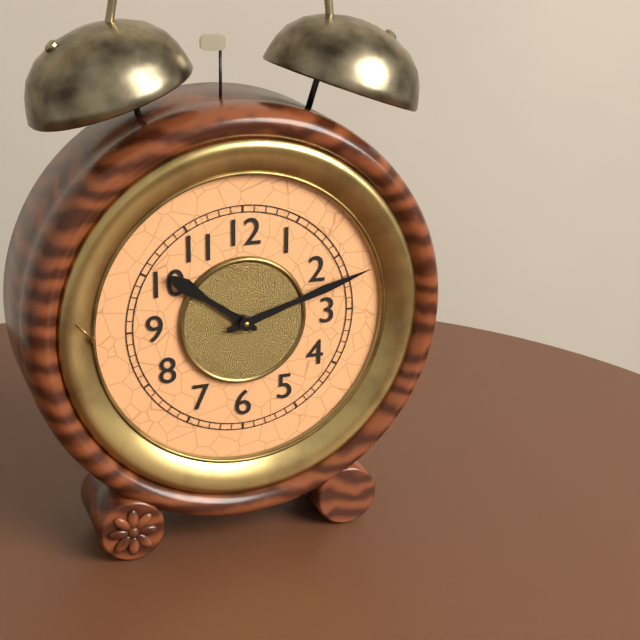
**10:12**
